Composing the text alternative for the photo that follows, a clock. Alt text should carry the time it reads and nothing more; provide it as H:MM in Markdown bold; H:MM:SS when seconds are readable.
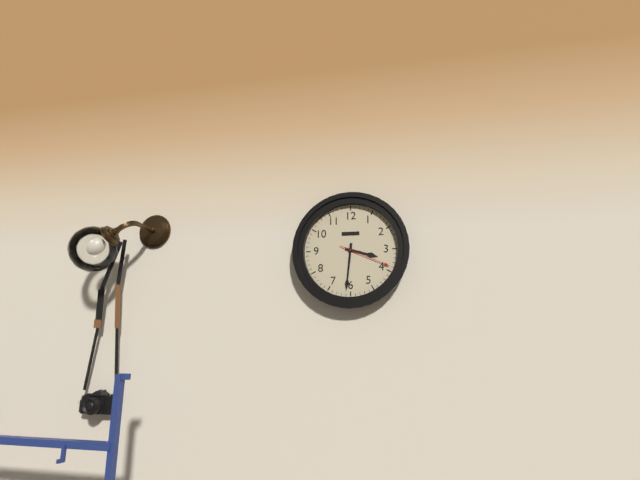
**3:31:19**
